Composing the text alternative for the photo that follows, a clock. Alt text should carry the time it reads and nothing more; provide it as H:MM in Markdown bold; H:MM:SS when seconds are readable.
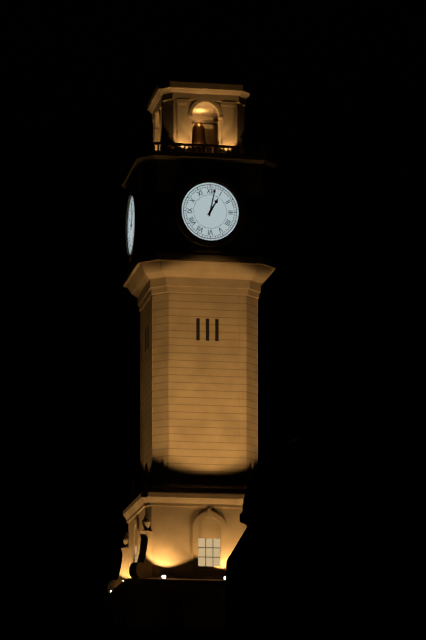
**1:02**
